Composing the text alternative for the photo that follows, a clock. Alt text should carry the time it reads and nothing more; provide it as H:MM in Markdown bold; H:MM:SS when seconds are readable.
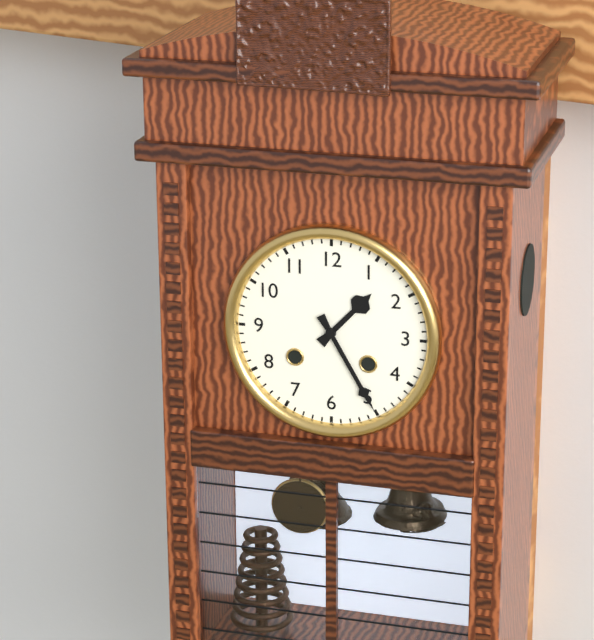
**1:25**
